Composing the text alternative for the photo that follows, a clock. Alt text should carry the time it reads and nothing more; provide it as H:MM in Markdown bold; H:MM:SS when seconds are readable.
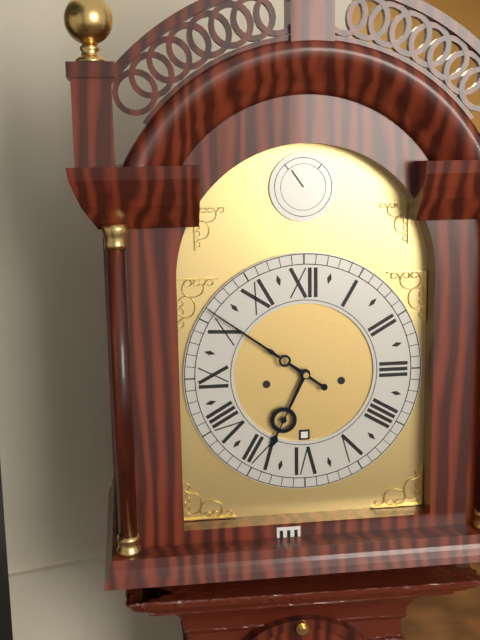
**6:51**
